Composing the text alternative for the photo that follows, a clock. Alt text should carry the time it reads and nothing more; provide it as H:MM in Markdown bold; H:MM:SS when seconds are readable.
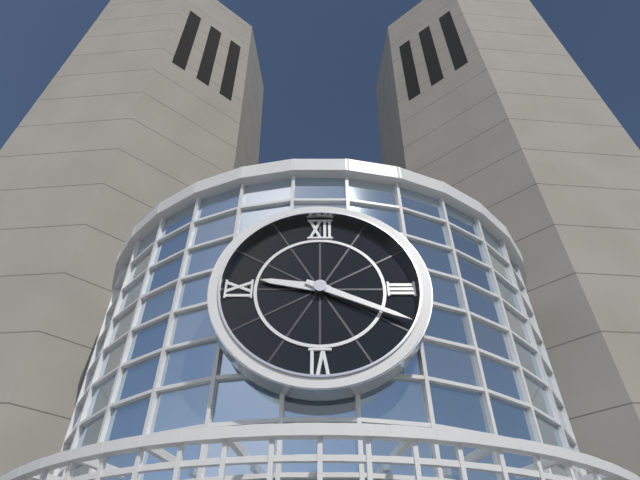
**9:19**
